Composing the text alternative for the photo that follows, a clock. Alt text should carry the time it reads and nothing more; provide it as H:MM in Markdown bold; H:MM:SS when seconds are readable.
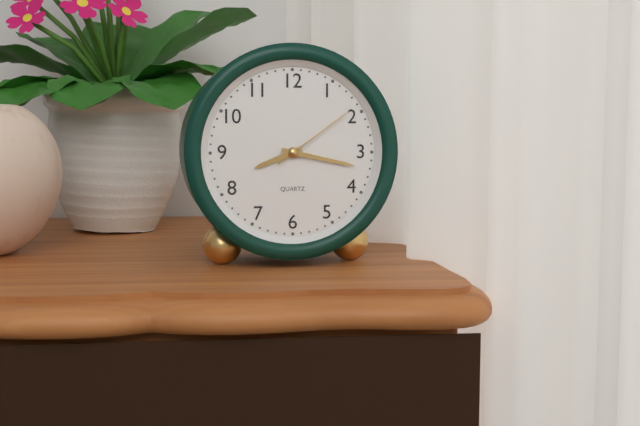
**8:17:09**
